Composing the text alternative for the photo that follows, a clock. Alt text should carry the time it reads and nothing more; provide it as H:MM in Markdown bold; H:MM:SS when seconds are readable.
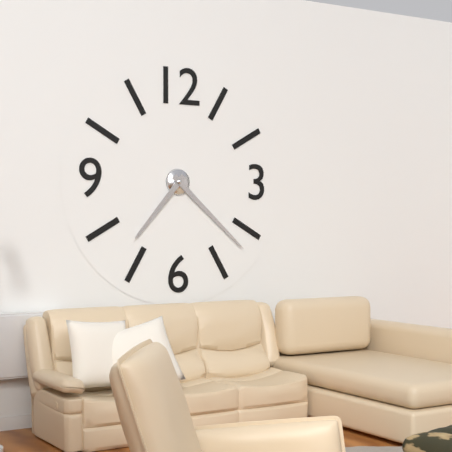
**7:22**
